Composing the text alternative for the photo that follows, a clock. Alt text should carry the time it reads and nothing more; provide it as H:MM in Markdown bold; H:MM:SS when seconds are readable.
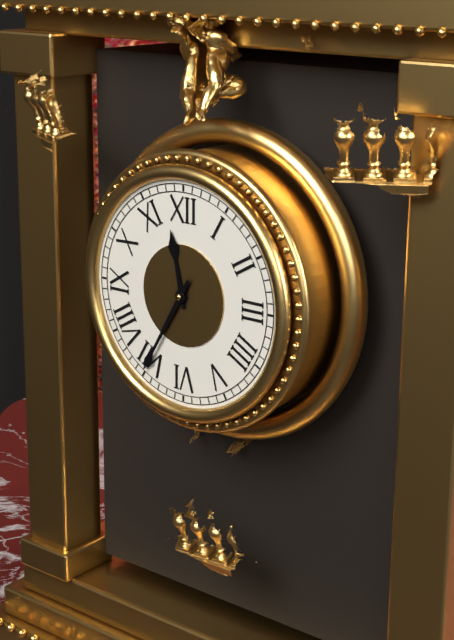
**11:35**
